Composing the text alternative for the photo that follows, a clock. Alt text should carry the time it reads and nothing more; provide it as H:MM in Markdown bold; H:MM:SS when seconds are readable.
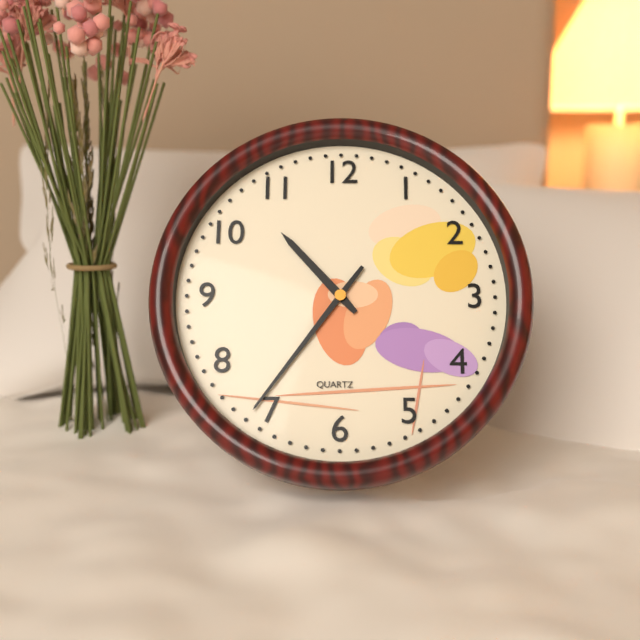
**10:36**
